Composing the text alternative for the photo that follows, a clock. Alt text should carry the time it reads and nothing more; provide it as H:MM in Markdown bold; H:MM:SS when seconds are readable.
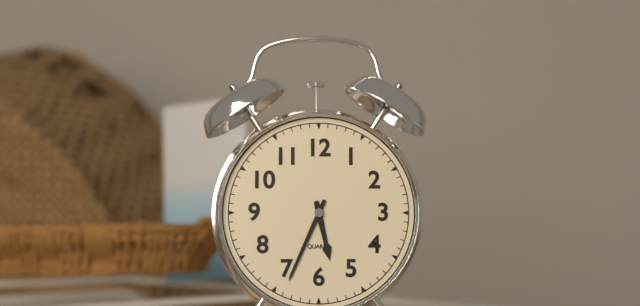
**5:34**
